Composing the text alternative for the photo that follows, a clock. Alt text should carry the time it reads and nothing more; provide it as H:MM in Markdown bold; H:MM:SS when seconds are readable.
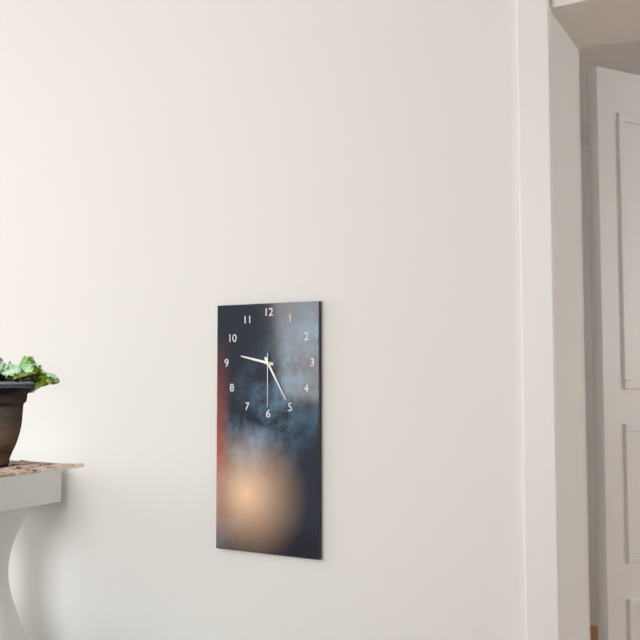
**9:25:30**
